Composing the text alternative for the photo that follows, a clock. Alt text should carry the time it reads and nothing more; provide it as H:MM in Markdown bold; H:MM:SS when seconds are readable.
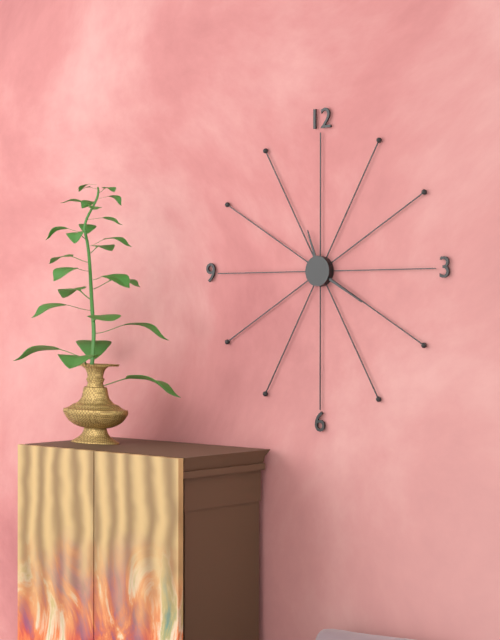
**11:20**
